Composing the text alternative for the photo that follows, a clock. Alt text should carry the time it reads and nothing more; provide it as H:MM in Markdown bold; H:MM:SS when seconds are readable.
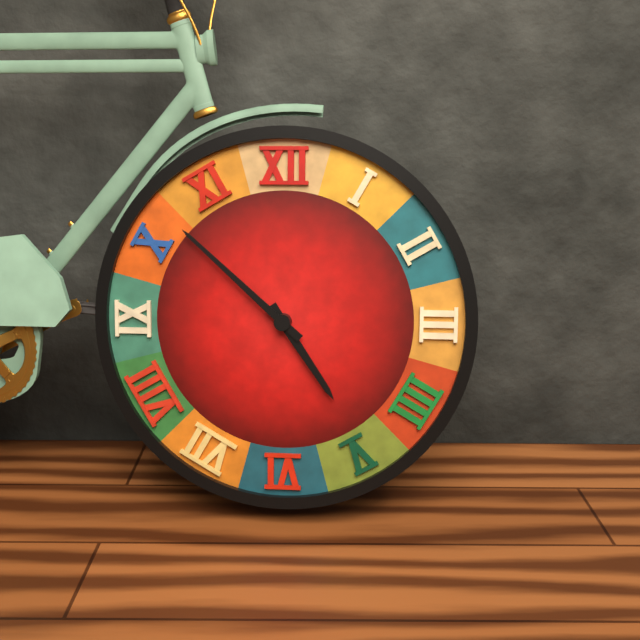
**4:52**
